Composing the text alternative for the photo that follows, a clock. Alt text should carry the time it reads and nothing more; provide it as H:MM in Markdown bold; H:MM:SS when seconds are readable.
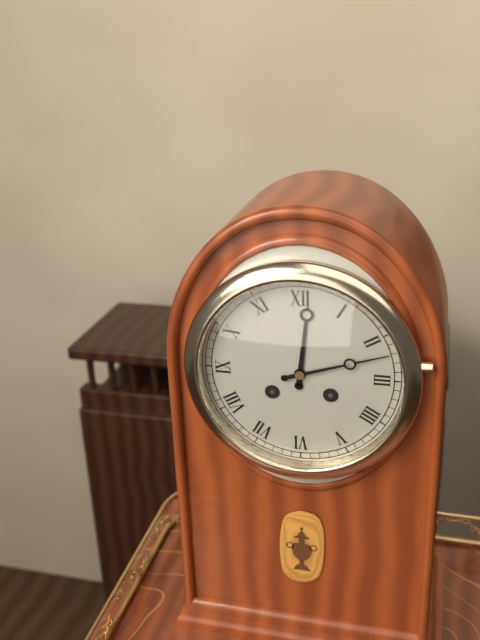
**12:12**
